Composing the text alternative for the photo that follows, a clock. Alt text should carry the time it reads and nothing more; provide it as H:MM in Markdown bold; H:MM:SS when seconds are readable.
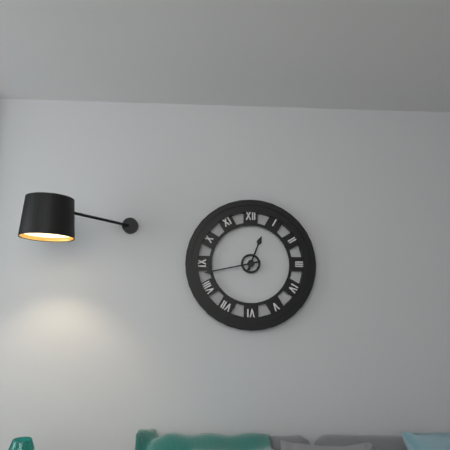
**12:43**
